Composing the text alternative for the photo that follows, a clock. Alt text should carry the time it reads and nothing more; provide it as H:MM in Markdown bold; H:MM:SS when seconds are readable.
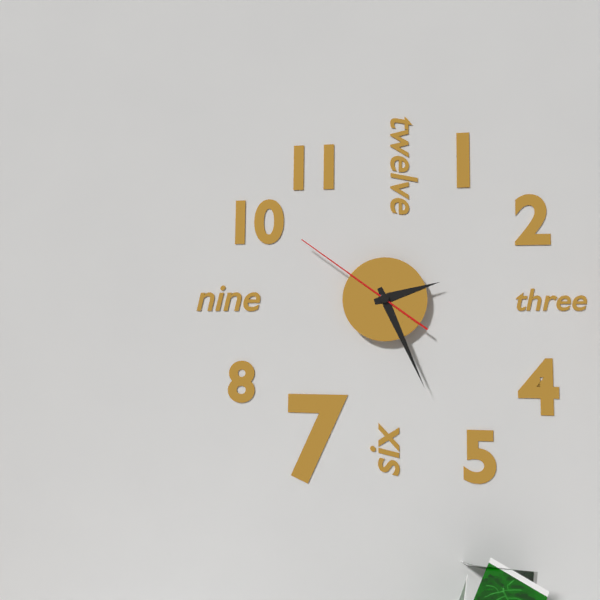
**2:26:51**
